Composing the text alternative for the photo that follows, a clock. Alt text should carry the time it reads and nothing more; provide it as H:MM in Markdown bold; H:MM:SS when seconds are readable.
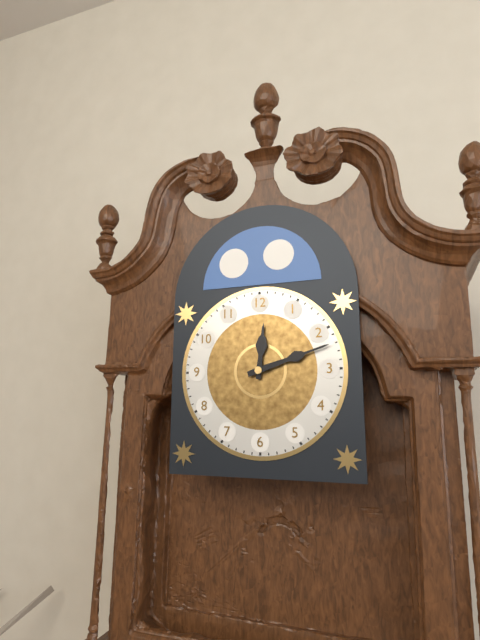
**12:12**
